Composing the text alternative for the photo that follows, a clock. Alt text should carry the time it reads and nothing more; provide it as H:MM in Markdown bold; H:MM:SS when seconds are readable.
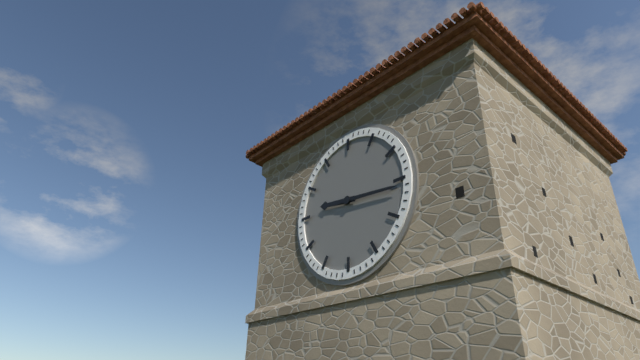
**9:16**
